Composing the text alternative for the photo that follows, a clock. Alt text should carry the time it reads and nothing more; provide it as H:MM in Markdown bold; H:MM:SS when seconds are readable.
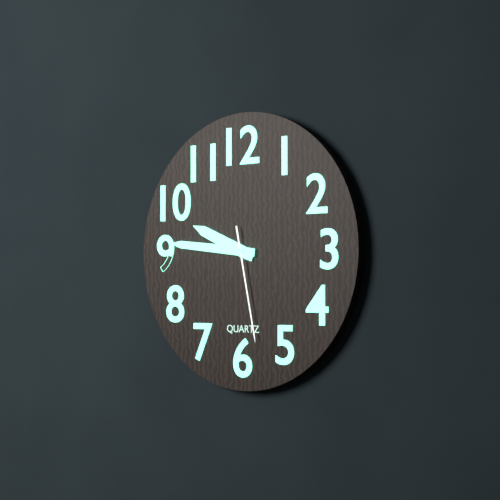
**9:46:28**
